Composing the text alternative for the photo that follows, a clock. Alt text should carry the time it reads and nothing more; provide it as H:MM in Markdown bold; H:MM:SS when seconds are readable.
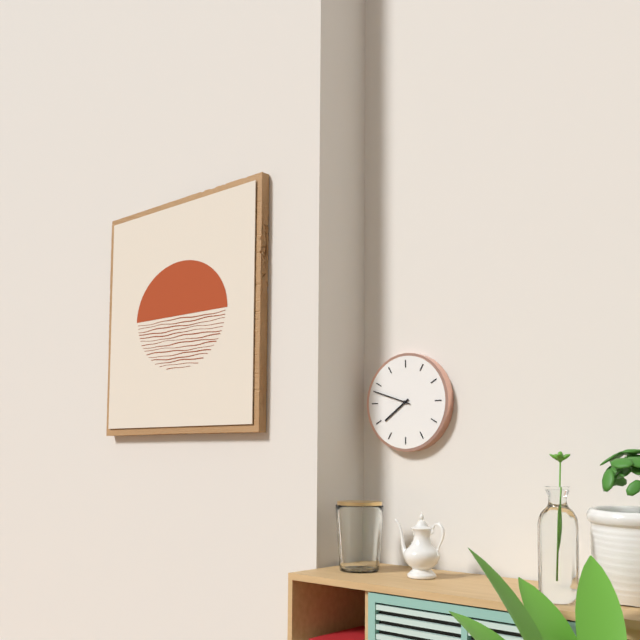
**7:48**
